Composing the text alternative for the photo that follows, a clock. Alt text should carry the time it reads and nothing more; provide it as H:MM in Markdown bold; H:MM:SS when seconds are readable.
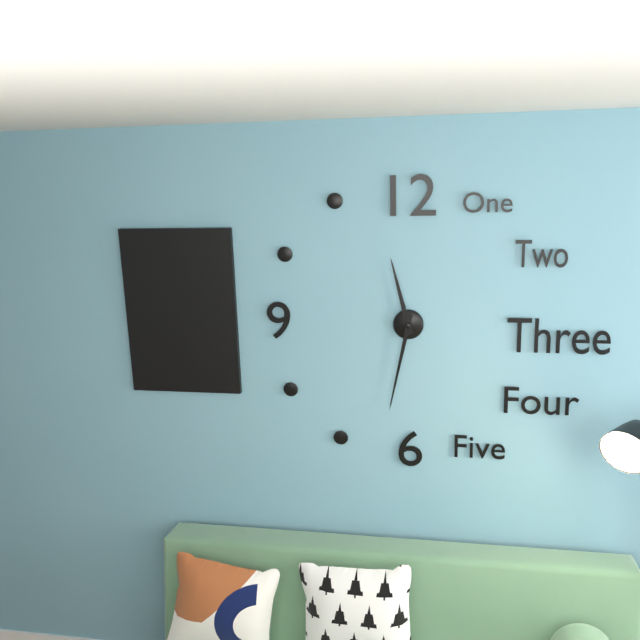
**11:32**
